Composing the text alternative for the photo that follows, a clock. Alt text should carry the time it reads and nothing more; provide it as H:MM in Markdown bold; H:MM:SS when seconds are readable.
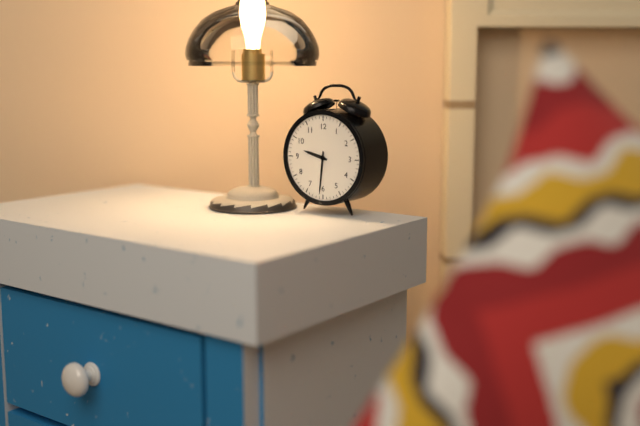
**9:31**
